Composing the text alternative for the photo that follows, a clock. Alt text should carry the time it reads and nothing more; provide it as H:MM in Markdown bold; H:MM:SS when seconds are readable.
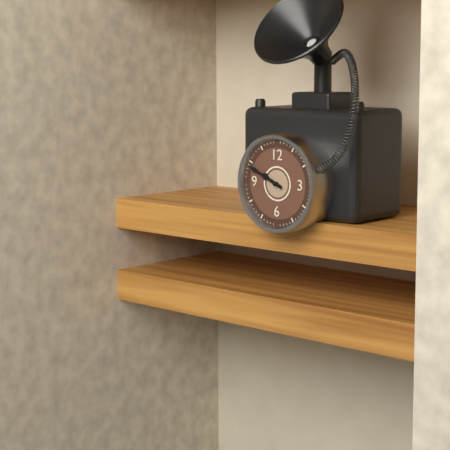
**9:49**
